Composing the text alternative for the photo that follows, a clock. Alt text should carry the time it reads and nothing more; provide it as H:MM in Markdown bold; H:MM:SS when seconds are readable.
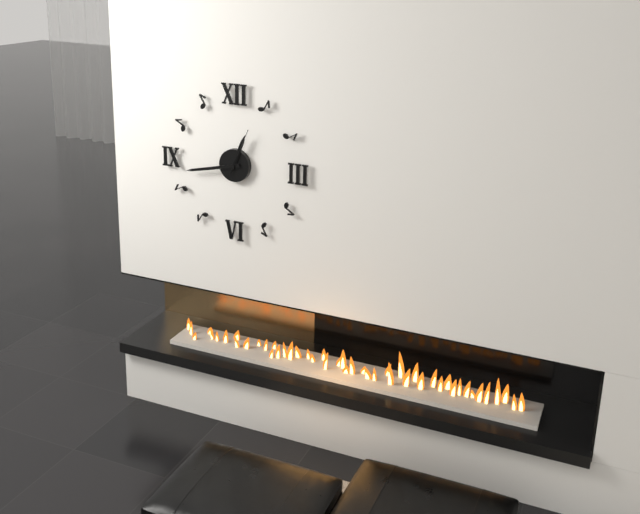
**12:43**
